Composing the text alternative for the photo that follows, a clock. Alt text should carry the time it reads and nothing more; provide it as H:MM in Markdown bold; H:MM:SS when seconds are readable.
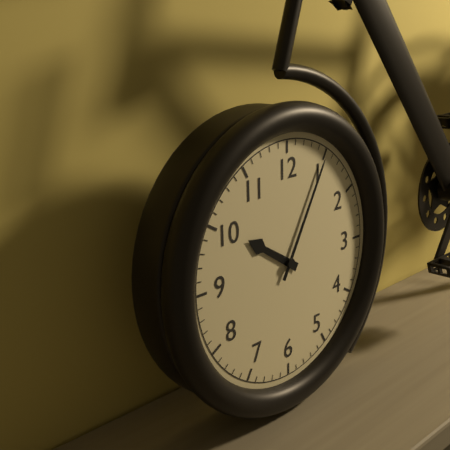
**10:05**
